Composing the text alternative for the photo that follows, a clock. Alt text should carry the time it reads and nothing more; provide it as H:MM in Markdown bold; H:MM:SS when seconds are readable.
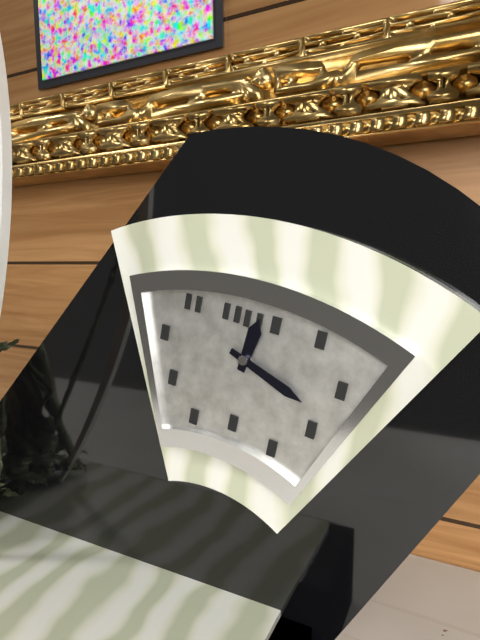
**12:18**
